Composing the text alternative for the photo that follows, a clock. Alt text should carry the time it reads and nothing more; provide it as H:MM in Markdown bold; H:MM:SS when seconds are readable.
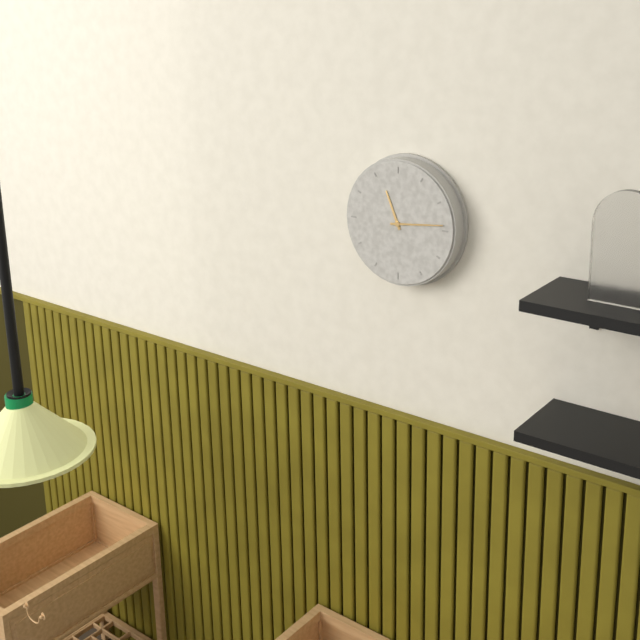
**11:14**
